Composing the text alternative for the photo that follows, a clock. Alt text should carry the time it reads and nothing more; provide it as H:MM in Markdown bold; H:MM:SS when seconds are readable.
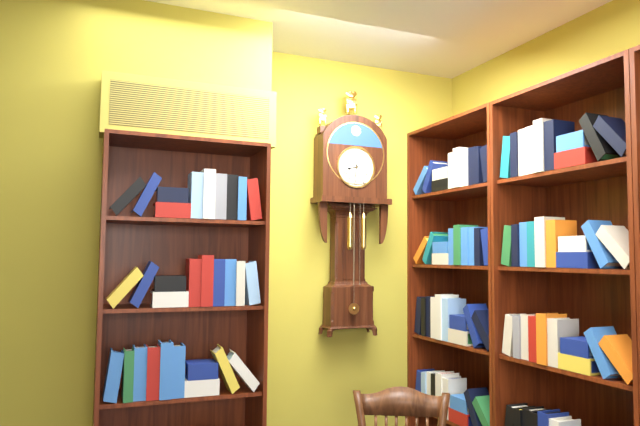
**8:31**
